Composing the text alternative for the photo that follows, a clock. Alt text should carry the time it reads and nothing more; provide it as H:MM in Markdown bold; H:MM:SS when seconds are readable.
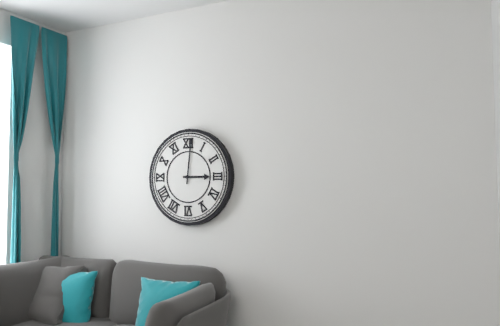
**3:01**
